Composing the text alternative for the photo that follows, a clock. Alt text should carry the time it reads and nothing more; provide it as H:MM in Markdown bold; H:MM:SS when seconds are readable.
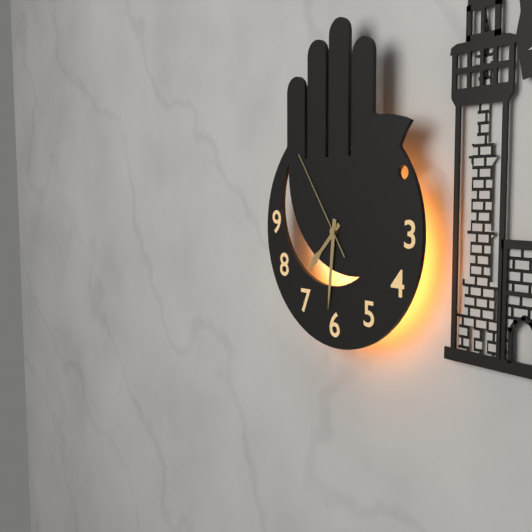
**7:31:54**
